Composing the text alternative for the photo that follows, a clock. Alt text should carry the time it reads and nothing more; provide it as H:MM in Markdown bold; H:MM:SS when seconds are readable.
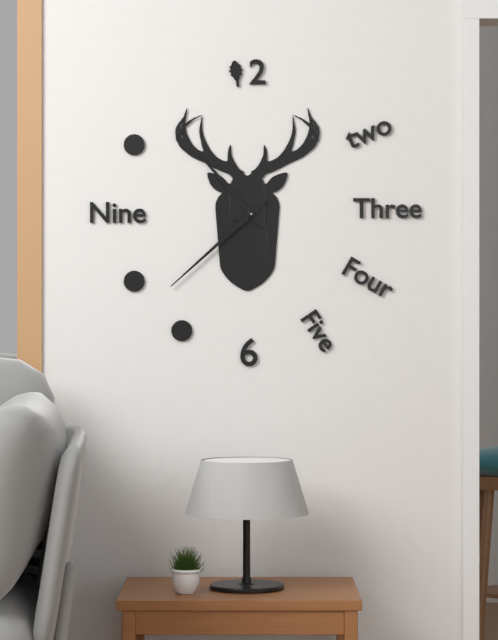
**10:38**
